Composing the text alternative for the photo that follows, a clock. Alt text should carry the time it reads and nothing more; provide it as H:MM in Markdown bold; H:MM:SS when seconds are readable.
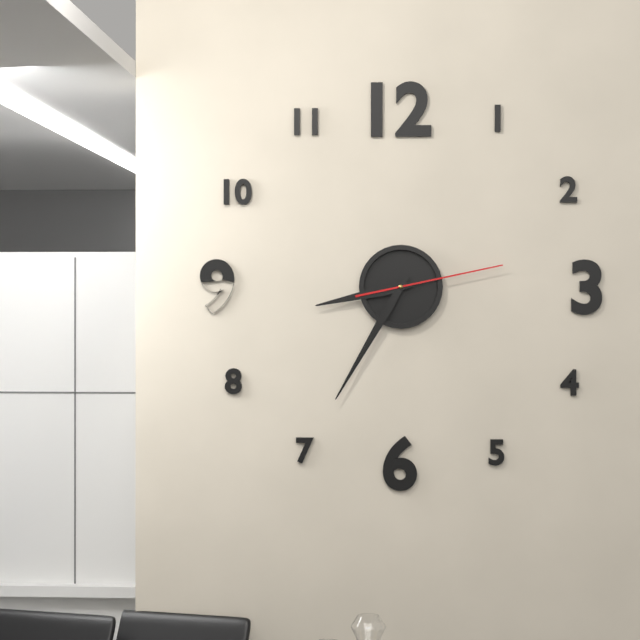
**8:35:13**
